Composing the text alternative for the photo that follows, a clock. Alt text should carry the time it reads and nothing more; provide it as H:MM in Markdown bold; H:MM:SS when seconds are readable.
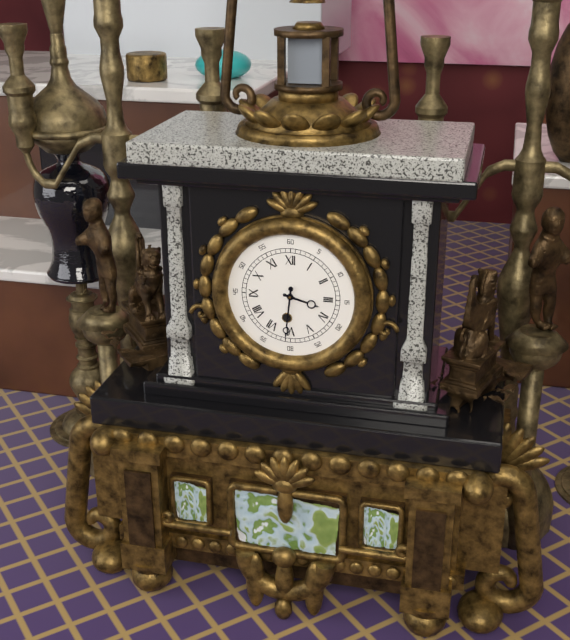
**3:31**
